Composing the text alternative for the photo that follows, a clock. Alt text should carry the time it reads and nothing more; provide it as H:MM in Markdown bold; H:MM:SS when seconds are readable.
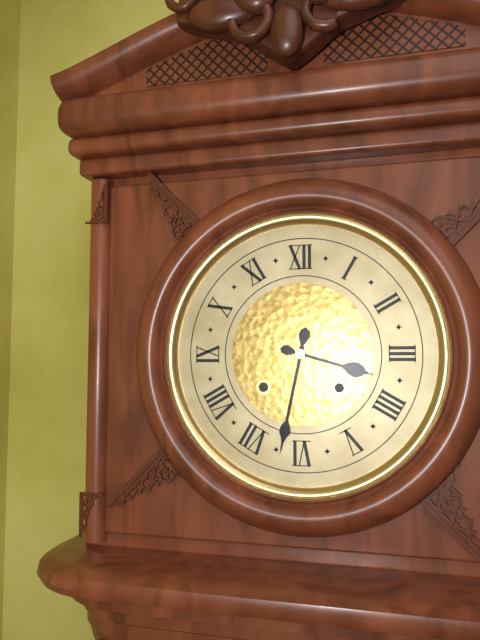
**3:32**
